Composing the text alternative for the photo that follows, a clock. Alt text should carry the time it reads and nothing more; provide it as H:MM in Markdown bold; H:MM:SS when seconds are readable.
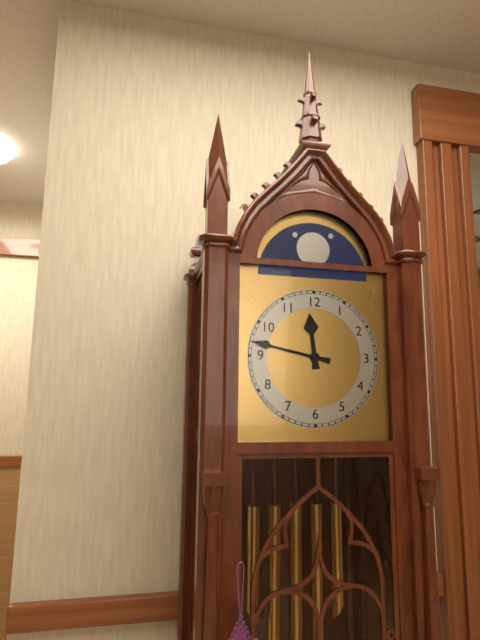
**11:47**
